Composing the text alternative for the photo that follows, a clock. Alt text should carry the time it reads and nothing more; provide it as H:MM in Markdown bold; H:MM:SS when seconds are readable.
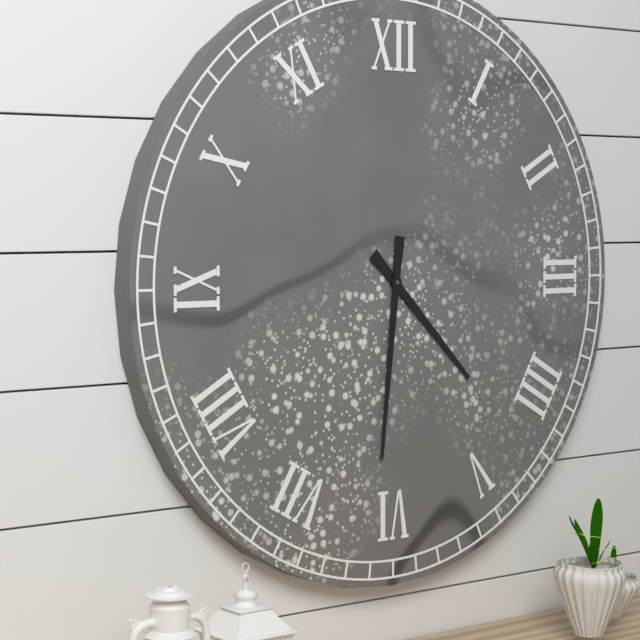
**4:31**
